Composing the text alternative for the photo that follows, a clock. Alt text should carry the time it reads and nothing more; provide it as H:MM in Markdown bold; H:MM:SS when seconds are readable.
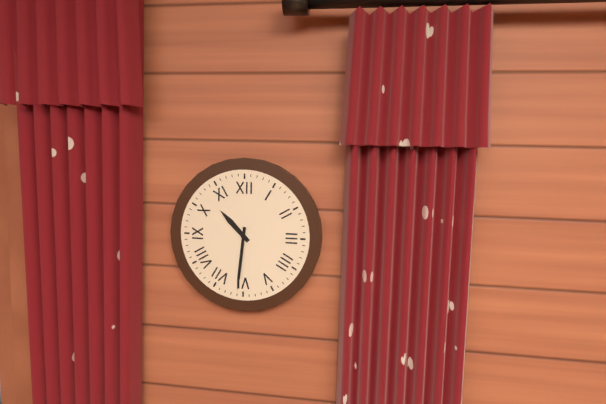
**10:31**
